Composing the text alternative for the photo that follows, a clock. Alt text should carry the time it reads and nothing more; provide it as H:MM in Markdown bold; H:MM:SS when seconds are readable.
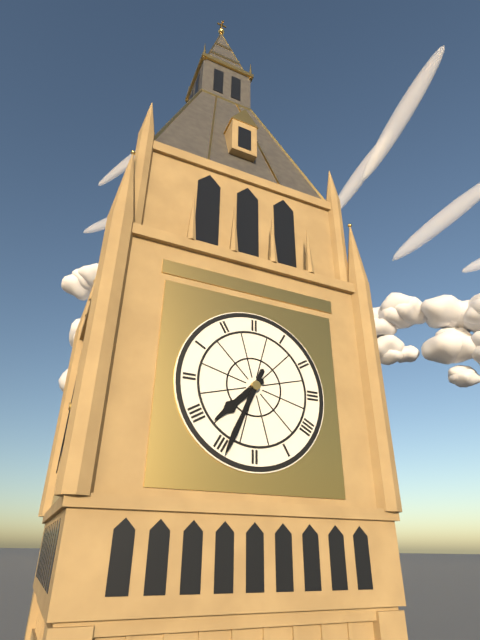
**7:34**
